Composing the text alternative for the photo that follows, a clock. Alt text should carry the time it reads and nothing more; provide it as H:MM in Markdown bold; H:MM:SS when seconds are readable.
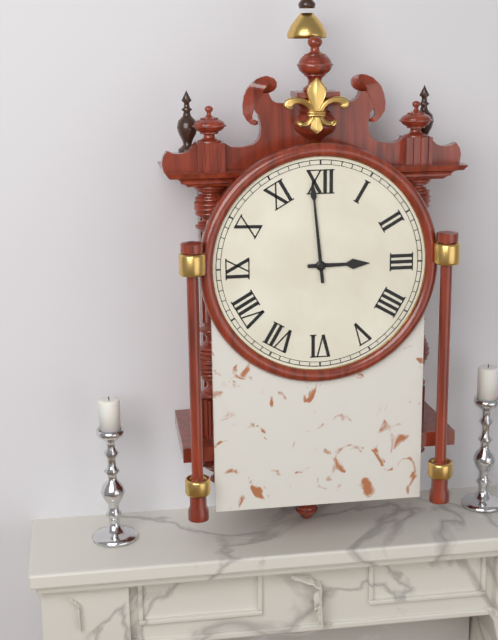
**2:59**
